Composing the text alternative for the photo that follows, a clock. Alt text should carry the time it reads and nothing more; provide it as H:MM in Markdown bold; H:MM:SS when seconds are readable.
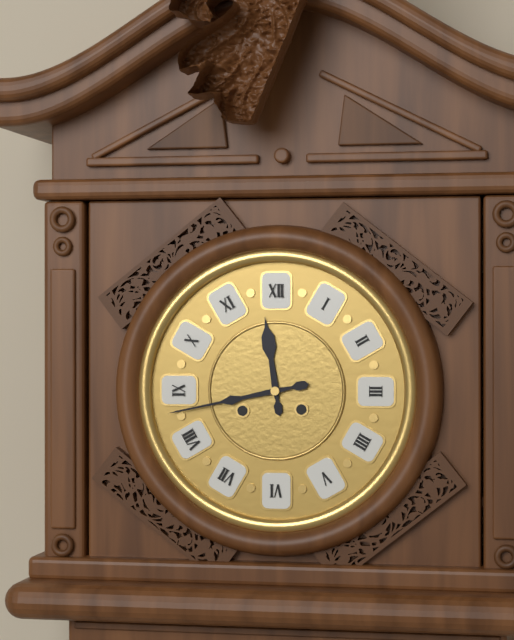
**11:43**
